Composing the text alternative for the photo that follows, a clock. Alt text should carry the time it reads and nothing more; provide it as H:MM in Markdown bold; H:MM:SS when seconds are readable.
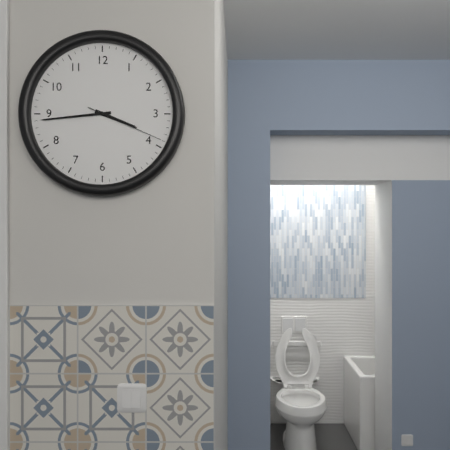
**3:44:19**
